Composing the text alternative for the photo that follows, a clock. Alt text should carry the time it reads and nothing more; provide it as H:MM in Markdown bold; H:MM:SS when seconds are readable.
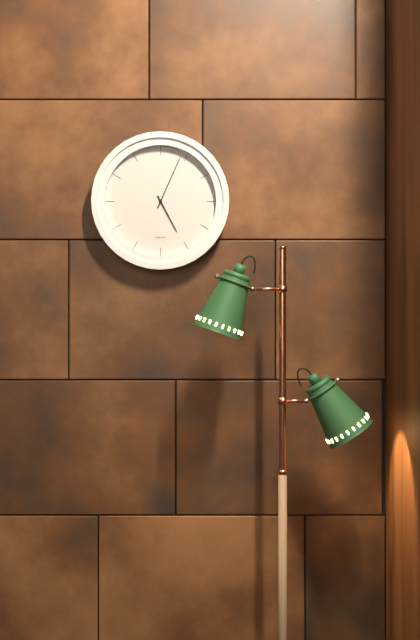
**5:04**
